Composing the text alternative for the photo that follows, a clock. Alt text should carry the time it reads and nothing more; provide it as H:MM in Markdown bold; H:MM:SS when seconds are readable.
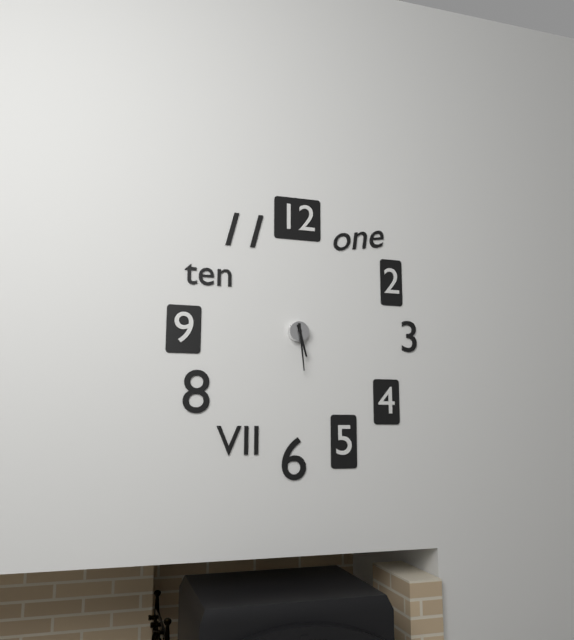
**5:29**
